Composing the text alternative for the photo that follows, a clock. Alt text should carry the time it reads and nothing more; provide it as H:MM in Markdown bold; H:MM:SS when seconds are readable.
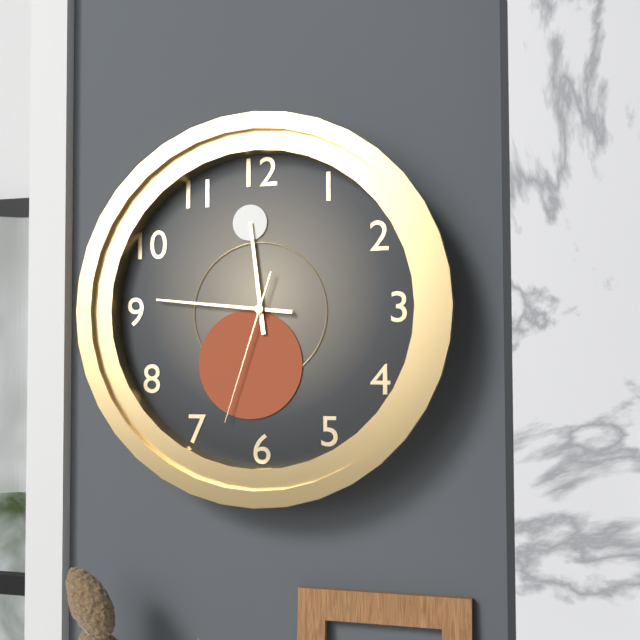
**11:46:33**
